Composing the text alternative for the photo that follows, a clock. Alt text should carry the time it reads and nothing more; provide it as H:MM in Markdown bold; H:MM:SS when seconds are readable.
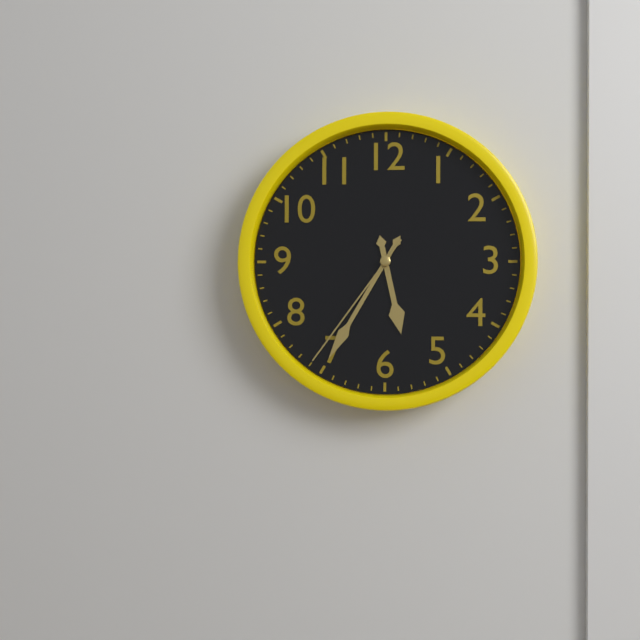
**5:35:36**
